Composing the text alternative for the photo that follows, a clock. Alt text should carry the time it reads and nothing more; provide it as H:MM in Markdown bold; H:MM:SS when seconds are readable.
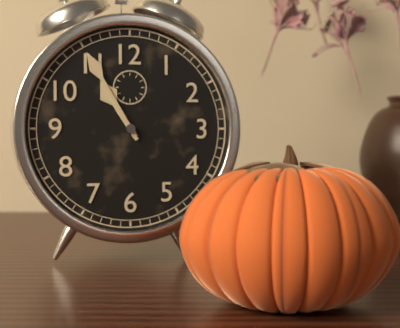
**10:55**
